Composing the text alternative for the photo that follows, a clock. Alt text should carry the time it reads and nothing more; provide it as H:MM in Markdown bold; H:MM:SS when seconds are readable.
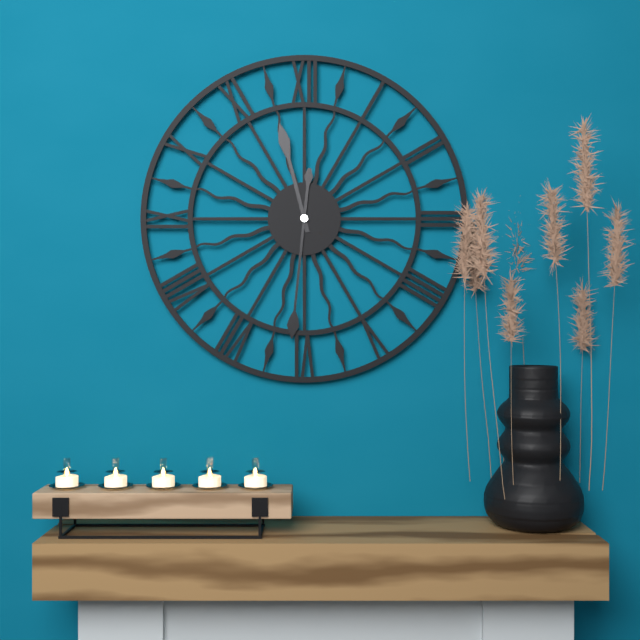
**11:31**
